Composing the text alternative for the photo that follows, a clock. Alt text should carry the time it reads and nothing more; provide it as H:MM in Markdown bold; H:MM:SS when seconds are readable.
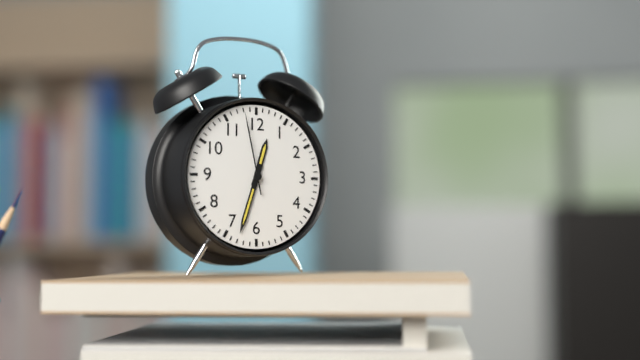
**12:33:58**
